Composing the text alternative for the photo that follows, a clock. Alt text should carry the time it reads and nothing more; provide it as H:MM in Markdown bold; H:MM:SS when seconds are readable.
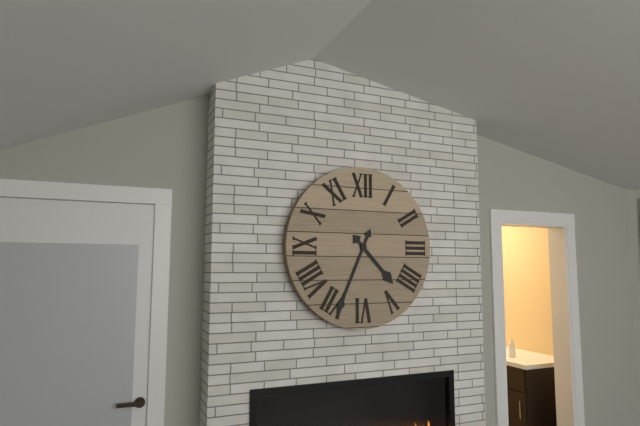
**4:34**
